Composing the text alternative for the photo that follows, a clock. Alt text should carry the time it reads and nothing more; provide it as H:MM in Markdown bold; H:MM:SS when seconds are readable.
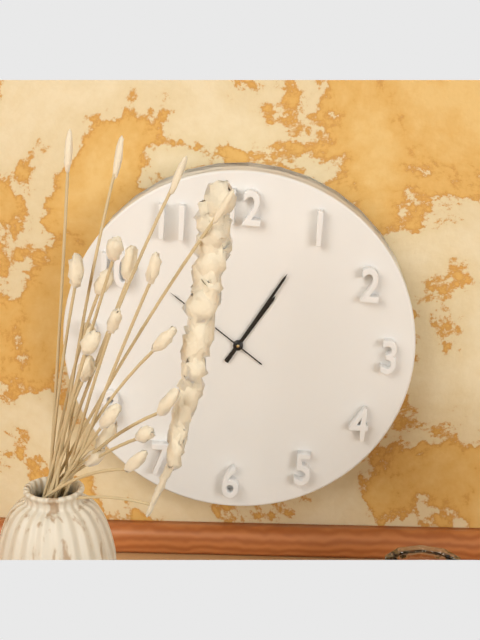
**1:05:51**
